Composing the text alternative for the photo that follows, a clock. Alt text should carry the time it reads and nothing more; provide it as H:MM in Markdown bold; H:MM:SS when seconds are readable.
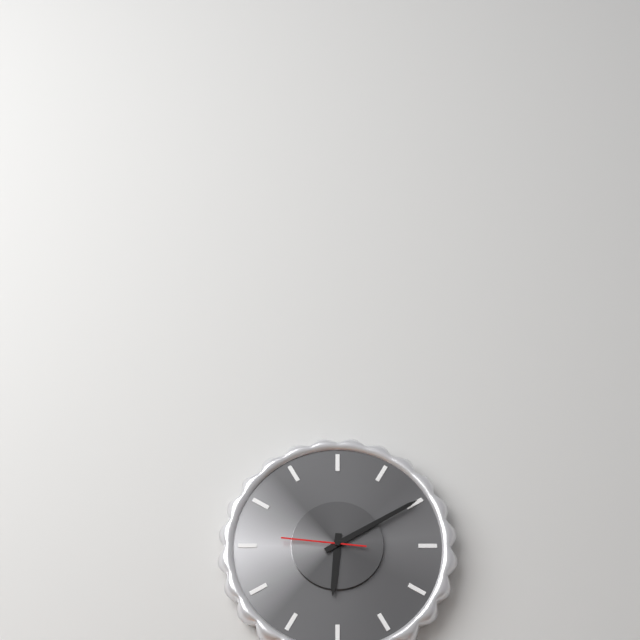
**6:10:46**
